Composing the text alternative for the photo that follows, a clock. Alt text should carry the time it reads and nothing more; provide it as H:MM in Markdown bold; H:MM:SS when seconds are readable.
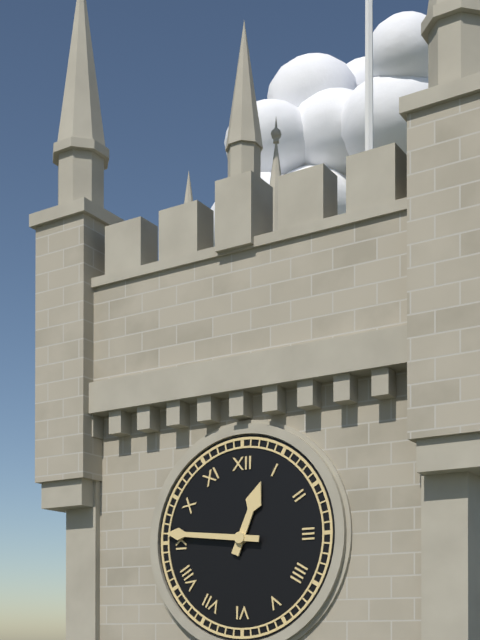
**12:46**
